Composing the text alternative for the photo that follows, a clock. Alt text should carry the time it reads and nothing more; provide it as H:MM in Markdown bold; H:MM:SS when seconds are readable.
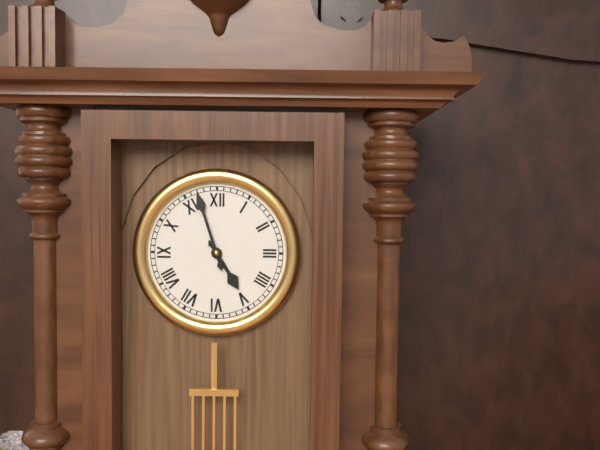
**4:57**
